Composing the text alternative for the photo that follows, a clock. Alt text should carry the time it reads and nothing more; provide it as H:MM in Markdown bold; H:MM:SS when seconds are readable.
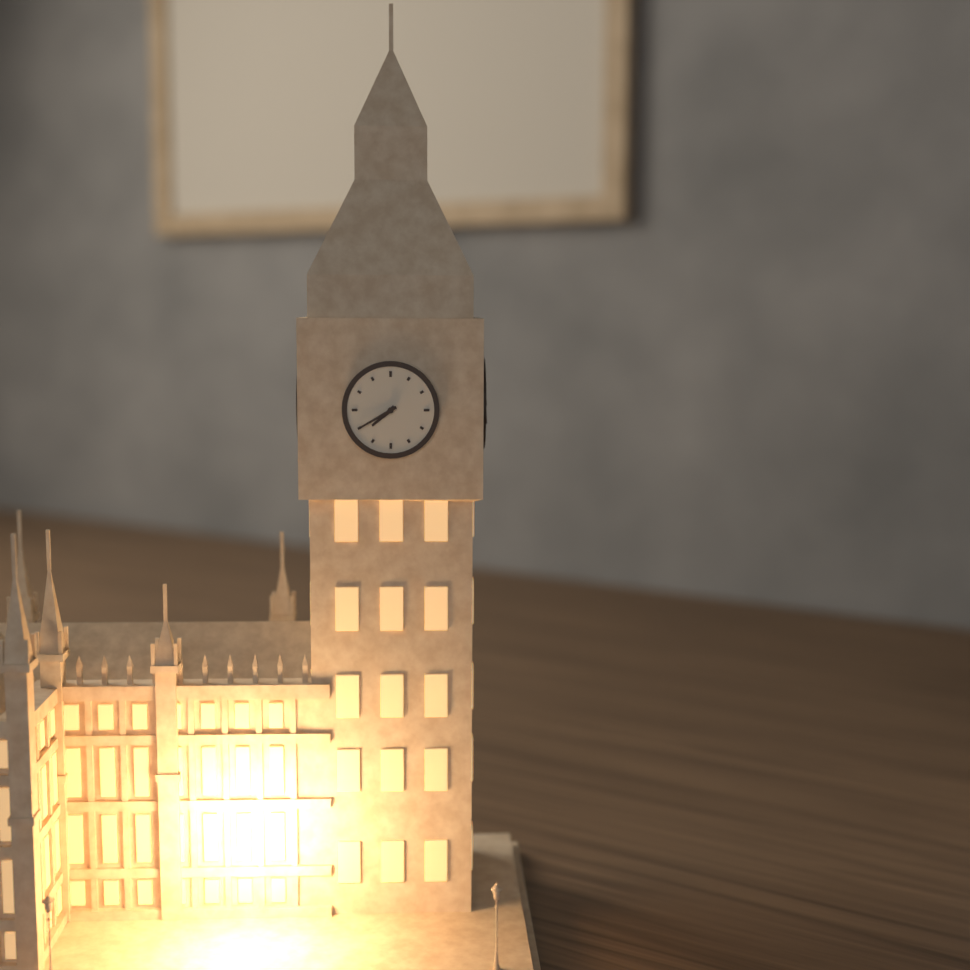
**7:40**
